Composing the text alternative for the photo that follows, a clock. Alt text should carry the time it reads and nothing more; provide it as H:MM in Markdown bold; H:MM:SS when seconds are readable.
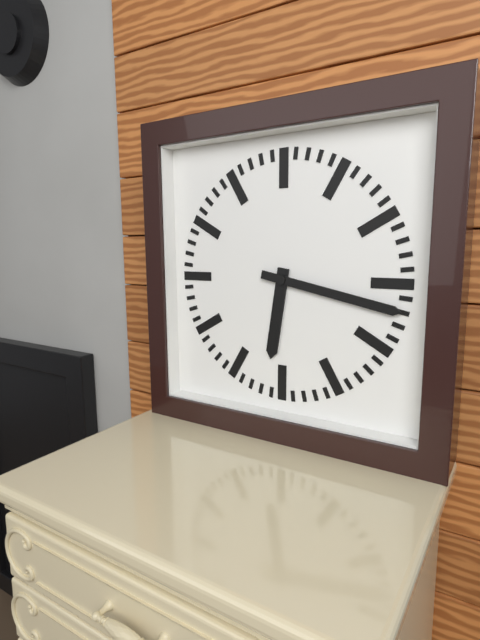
**6:17**
